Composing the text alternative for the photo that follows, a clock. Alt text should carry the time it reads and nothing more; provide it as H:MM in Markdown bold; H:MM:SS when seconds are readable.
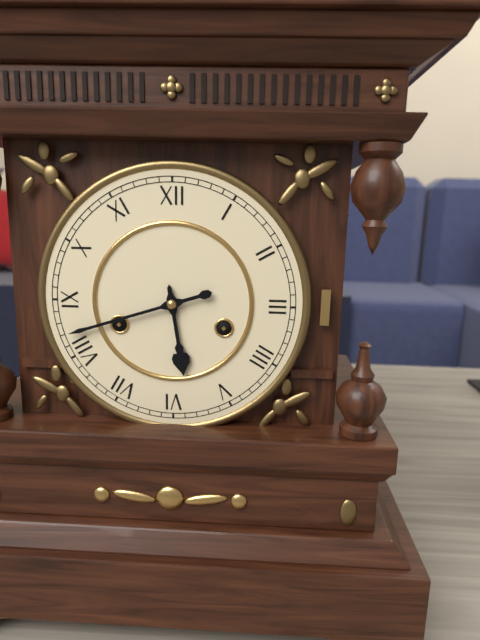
**5:42**
